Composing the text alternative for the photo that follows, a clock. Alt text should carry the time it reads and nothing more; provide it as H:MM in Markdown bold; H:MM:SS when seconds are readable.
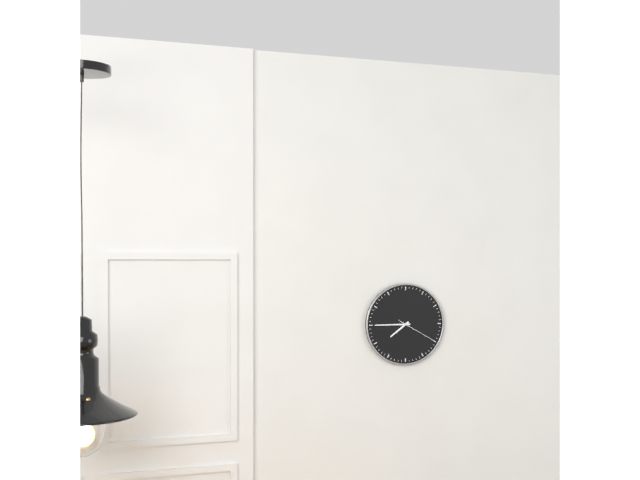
**7:45**
